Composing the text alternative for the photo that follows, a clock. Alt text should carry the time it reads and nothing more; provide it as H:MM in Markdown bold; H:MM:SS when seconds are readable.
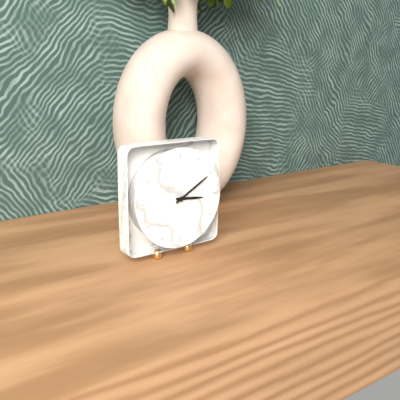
**3:10**
